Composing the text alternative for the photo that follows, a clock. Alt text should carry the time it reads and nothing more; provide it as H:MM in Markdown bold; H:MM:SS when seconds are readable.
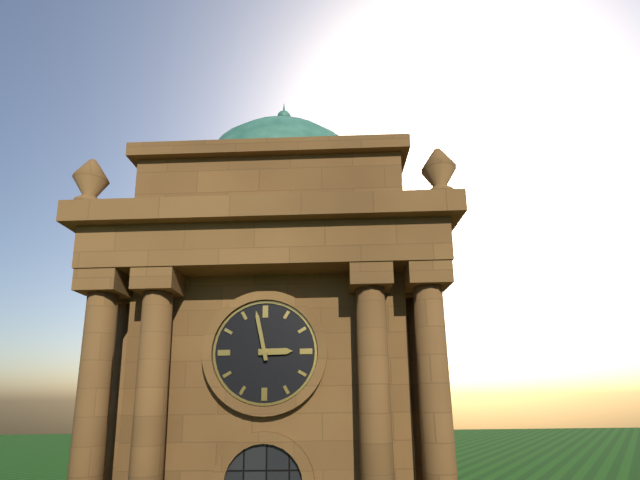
**2:58**
